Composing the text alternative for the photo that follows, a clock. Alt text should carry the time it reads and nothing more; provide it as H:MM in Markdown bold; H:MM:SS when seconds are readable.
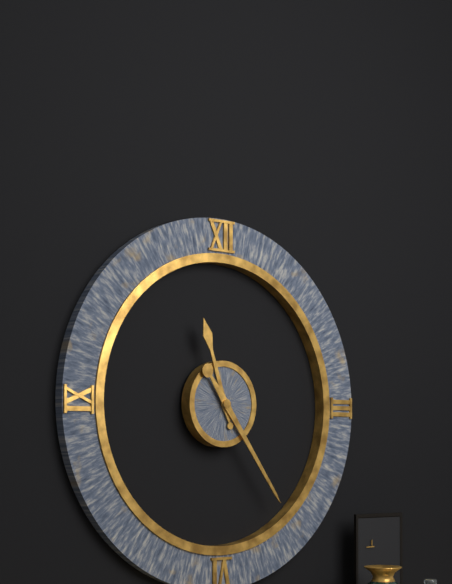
**11:24**
